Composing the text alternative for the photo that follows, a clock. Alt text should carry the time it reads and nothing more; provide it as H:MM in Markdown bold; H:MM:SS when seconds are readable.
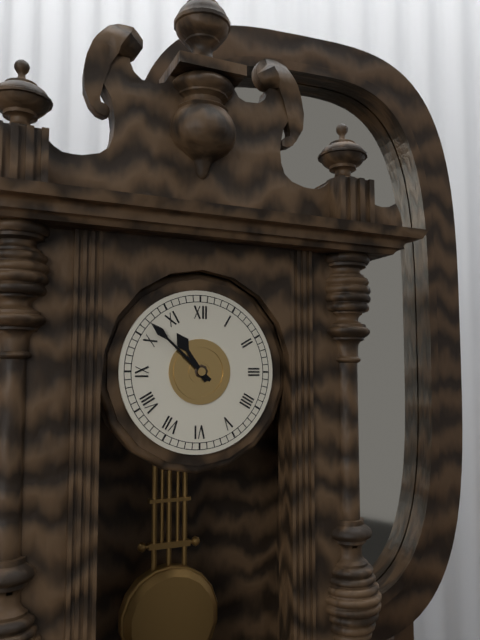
**10:52**
